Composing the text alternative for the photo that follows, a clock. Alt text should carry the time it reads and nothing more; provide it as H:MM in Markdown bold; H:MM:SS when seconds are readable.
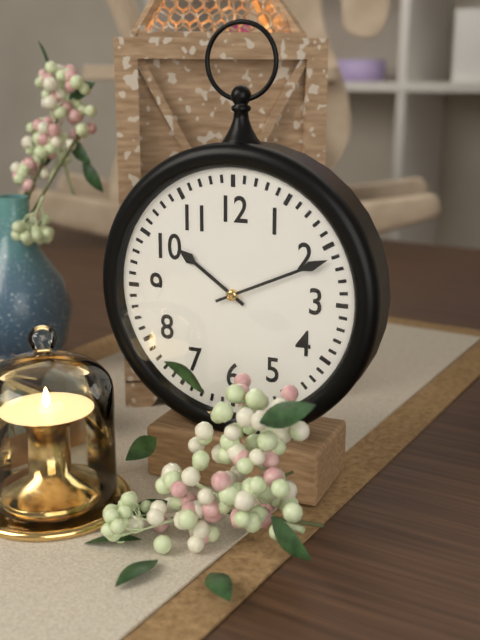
**10:11**
